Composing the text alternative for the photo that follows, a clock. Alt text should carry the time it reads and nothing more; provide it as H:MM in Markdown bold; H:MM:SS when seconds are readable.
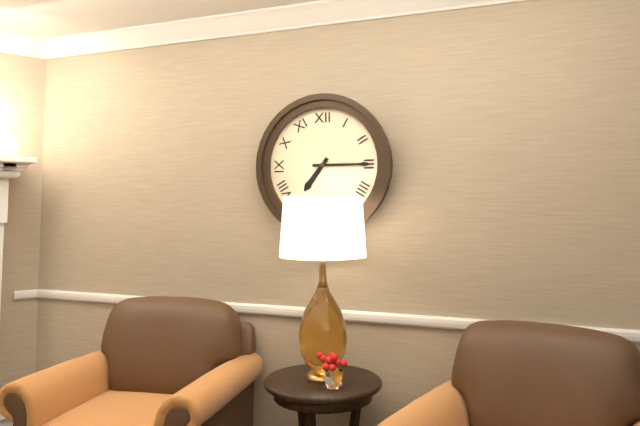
**7:15**
